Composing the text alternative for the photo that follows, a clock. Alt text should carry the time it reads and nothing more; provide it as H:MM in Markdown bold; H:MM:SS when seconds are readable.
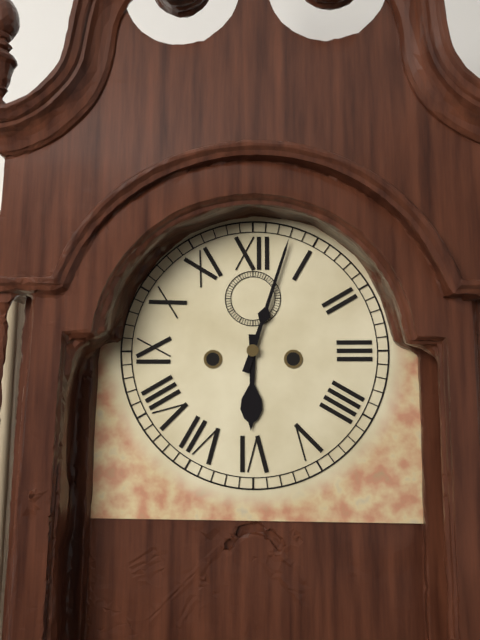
**6:03**
